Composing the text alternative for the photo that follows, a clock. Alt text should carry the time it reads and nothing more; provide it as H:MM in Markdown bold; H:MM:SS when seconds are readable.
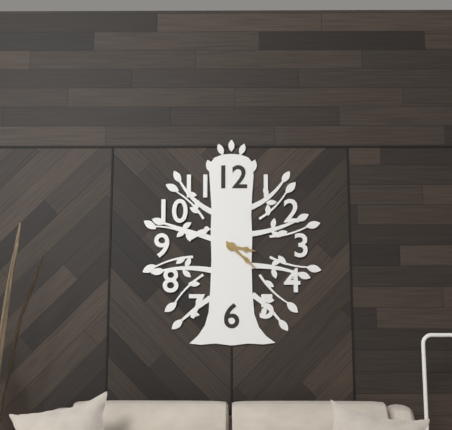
**3:22**
